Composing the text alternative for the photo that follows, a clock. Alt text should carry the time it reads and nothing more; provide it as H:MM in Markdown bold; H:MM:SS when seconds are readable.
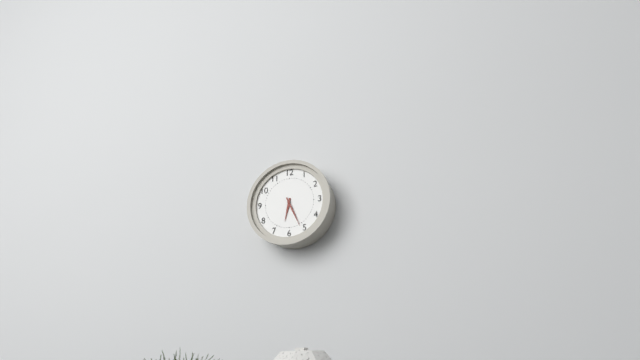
**6:26**
